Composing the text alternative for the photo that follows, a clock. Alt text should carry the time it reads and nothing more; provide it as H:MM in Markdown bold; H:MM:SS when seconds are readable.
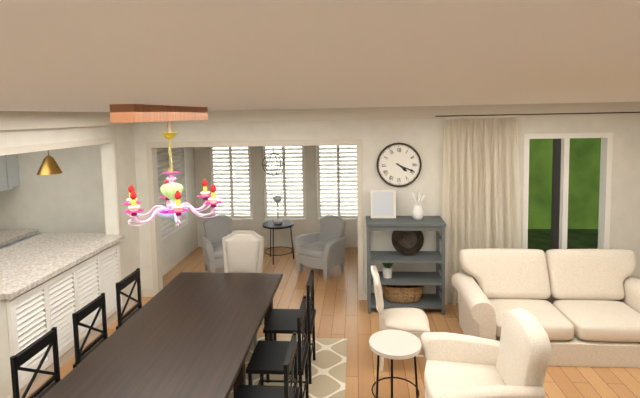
**4:19**
